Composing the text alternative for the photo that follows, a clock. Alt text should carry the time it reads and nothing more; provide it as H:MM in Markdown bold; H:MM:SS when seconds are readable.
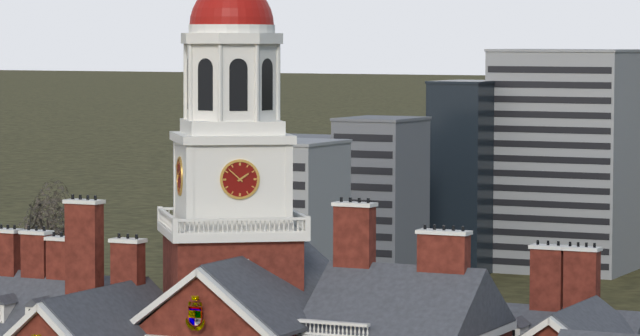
**1:52**
